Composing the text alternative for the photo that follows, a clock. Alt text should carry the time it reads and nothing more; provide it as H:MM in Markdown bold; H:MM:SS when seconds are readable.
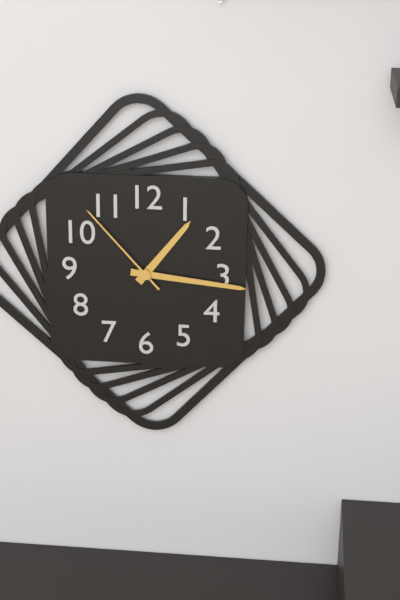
**1:16:53**
